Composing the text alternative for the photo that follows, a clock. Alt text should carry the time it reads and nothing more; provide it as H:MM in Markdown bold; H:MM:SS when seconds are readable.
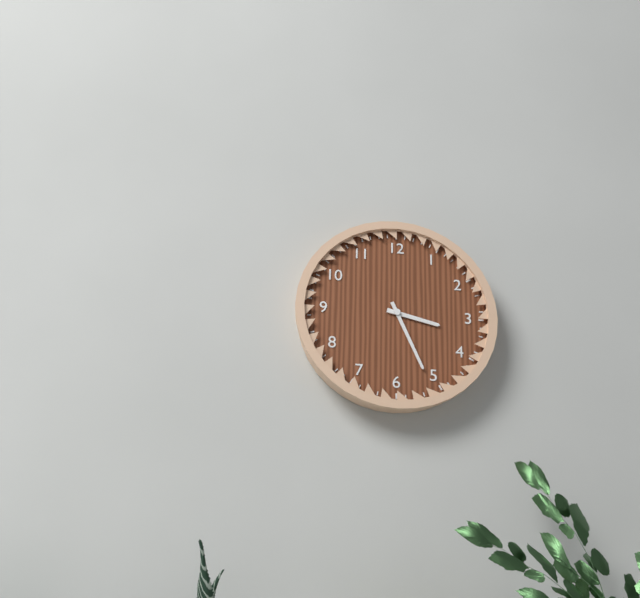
**3:26**
